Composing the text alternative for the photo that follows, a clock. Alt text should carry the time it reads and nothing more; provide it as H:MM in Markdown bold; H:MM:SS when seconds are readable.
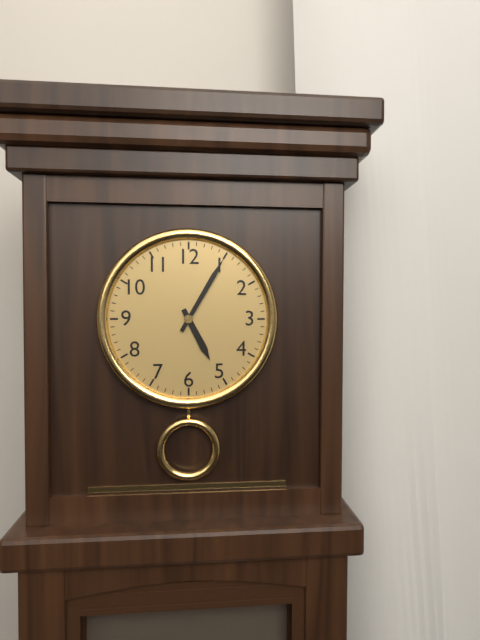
**5:05**
